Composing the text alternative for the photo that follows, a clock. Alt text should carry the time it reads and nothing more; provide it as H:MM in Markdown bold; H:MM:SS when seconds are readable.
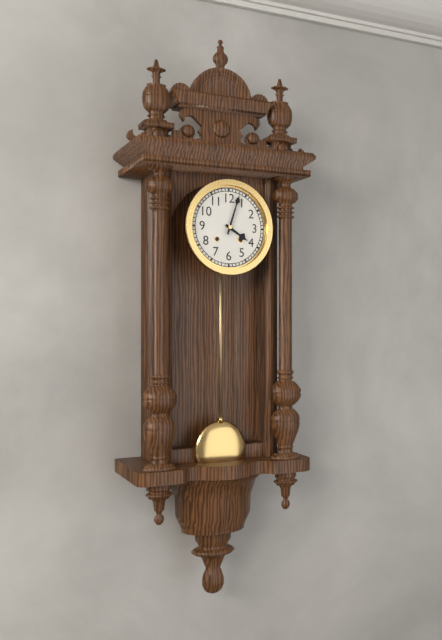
**4:03**
